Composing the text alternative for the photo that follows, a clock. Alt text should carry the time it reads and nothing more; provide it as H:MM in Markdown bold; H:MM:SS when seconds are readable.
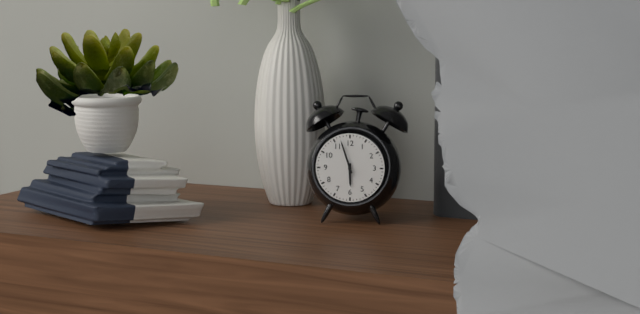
**5:57**
